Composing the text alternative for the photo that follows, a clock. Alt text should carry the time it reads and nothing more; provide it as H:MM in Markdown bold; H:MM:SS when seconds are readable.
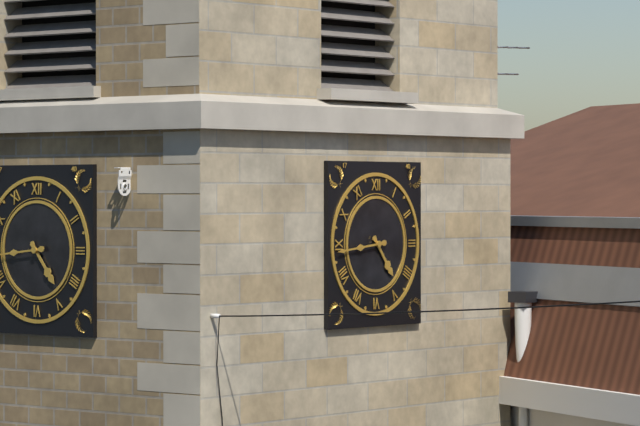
**4:44**
